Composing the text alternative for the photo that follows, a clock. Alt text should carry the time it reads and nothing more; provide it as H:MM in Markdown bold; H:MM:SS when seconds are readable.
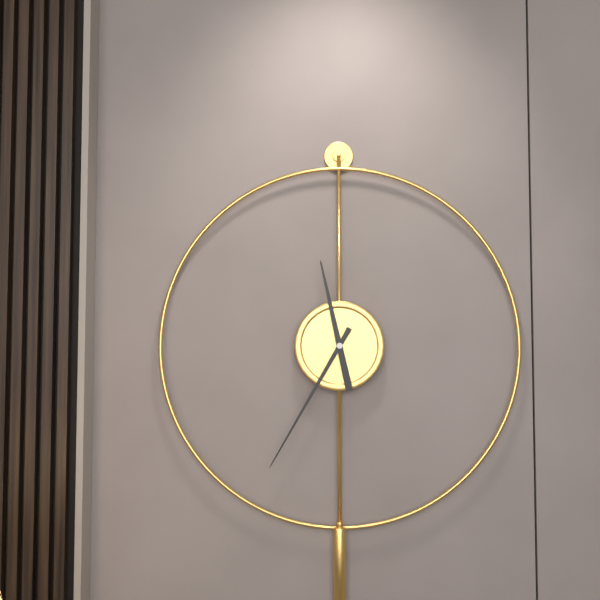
**11:35**
